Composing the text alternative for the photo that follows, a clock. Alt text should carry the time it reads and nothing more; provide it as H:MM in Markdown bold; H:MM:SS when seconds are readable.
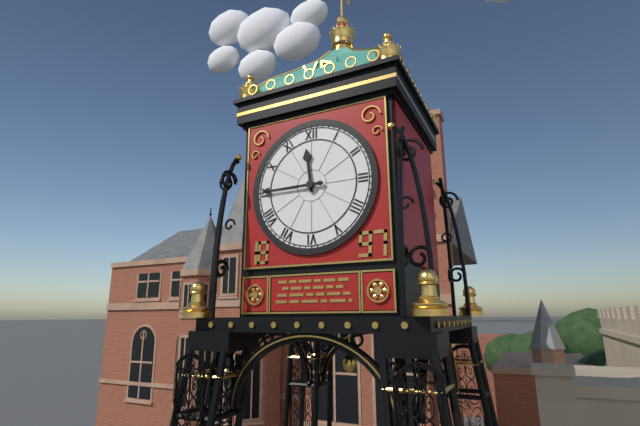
**11:45**
